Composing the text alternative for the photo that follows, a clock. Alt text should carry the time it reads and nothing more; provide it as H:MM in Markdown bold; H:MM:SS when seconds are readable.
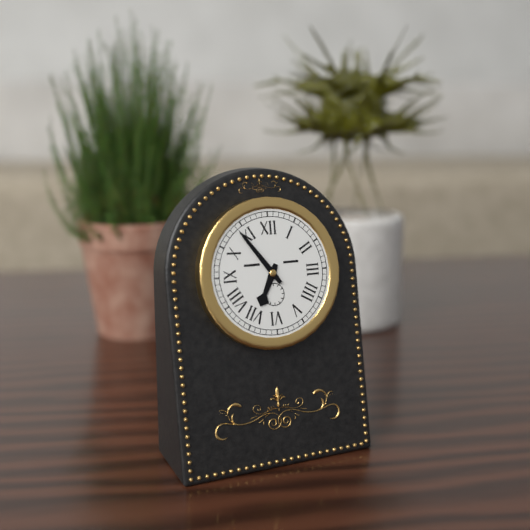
**6:54**
